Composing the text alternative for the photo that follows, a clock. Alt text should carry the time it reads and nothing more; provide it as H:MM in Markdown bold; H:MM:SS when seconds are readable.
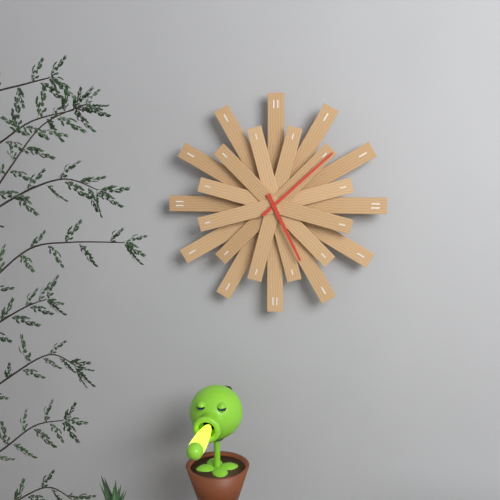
**5:08**
